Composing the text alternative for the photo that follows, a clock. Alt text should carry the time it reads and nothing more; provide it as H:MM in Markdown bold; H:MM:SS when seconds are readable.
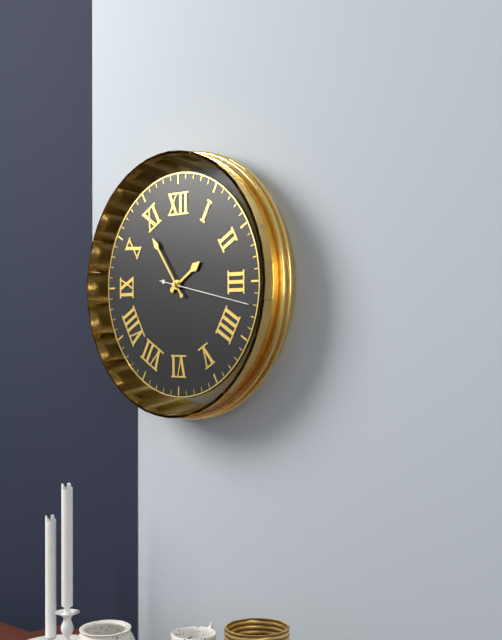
**1:54:17**
